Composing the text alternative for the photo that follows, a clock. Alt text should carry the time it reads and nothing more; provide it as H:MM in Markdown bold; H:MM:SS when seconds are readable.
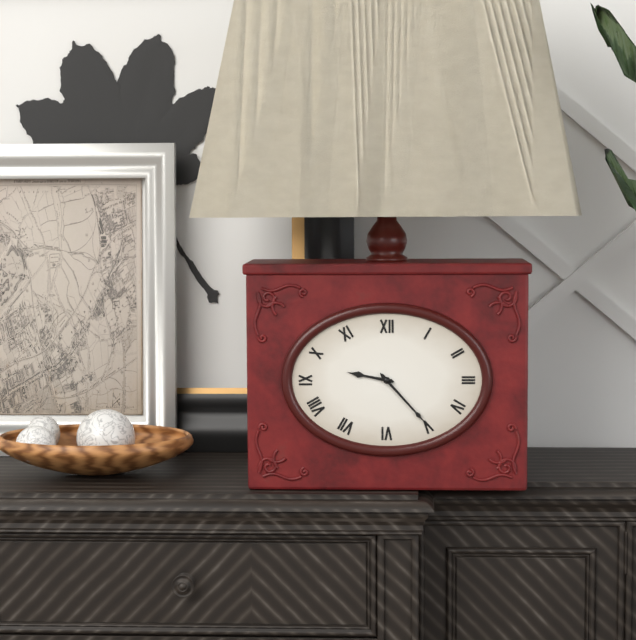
**9:23**
